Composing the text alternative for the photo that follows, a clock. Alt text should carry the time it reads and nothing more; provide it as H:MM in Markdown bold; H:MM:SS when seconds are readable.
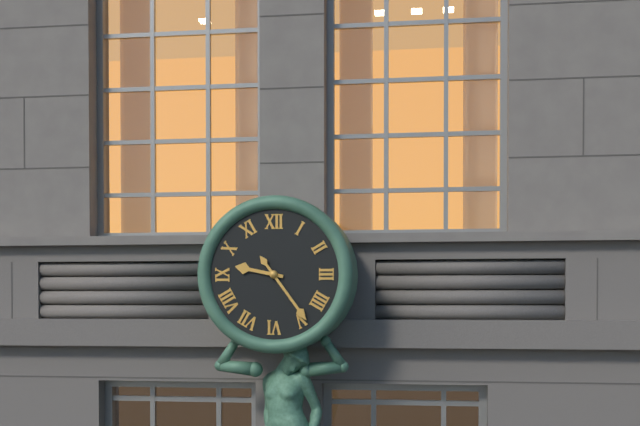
**9:24**
